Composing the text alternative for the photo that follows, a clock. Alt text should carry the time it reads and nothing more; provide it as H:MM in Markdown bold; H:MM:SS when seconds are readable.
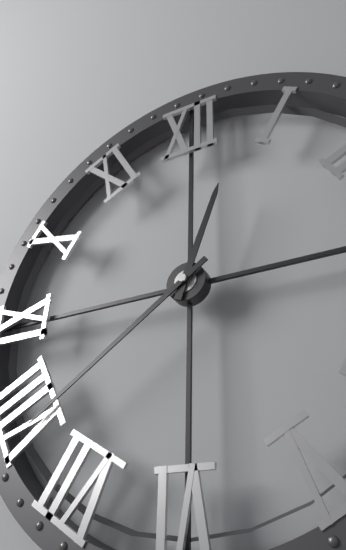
**12:39**
